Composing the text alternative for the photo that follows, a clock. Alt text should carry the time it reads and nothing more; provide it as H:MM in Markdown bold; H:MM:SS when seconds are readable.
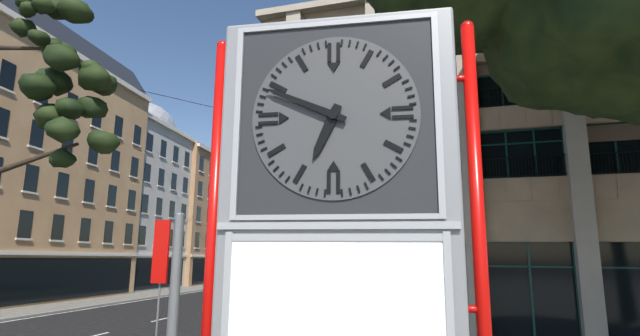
**6:49**
